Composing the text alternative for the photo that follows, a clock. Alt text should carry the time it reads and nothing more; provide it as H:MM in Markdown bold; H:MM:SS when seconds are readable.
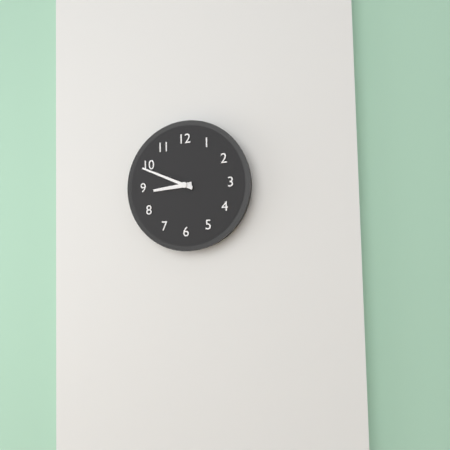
**8:49**
